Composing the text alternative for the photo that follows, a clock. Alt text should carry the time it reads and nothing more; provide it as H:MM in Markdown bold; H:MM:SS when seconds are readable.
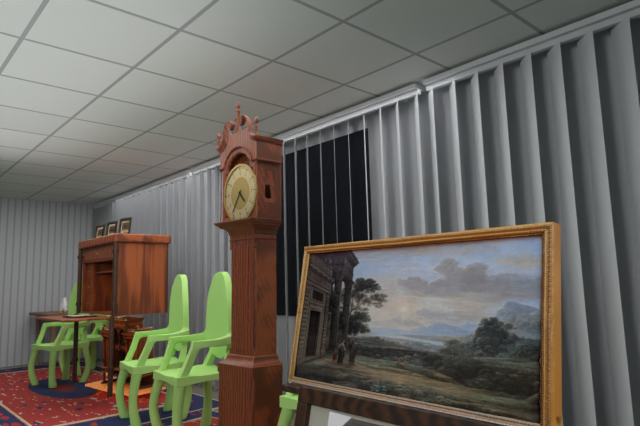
**4:36**
